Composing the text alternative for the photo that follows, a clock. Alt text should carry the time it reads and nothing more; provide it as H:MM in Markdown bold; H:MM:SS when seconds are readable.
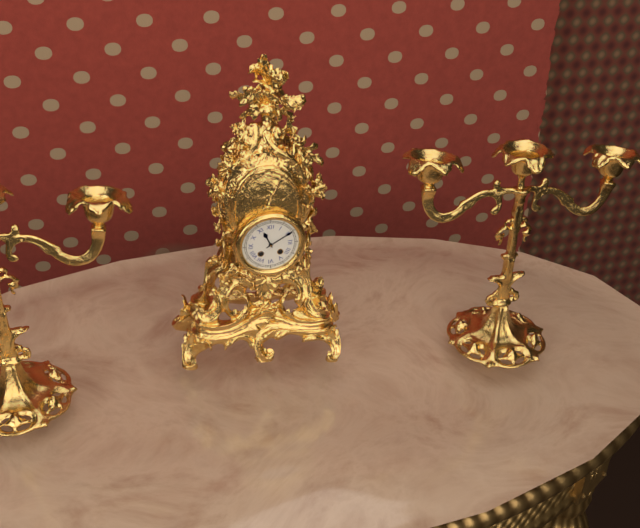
**11:10**
